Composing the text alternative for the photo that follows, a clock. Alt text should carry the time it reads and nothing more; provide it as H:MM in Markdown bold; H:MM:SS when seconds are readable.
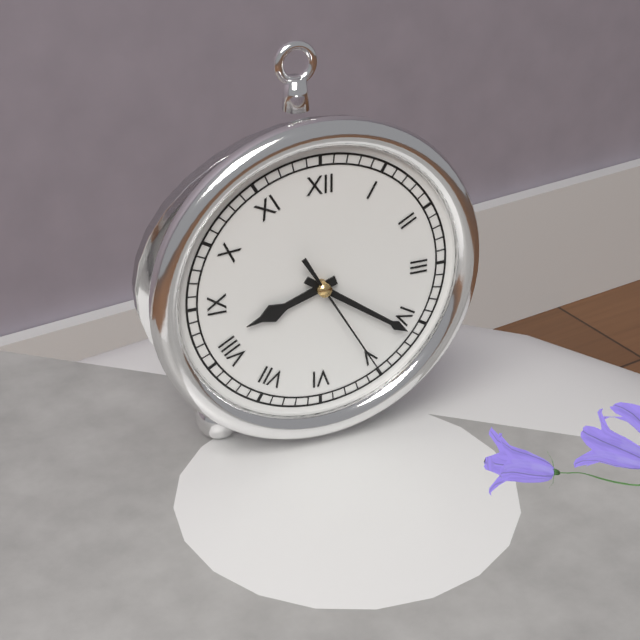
**8:21:25**
